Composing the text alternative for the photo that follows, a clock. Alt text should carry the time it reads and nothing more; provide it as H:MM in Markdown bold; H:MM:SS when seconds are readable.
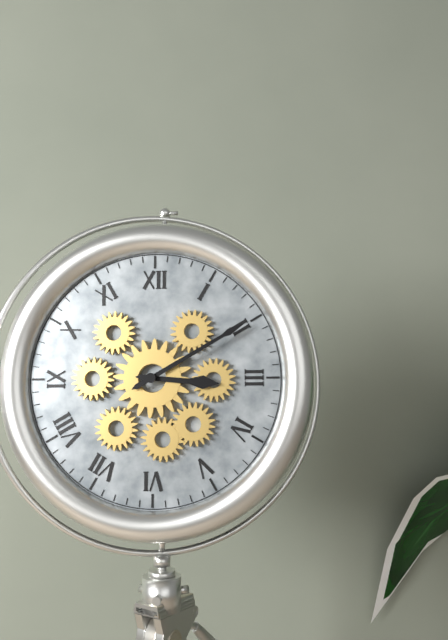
**3:10**
